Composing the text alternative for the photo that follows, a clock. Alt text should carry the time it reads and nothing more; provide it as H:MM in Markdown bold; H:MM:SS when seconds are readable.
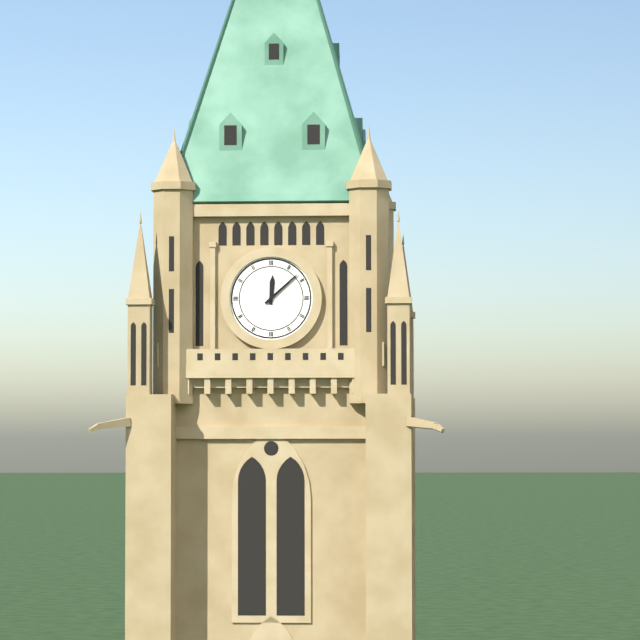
**12:08**
